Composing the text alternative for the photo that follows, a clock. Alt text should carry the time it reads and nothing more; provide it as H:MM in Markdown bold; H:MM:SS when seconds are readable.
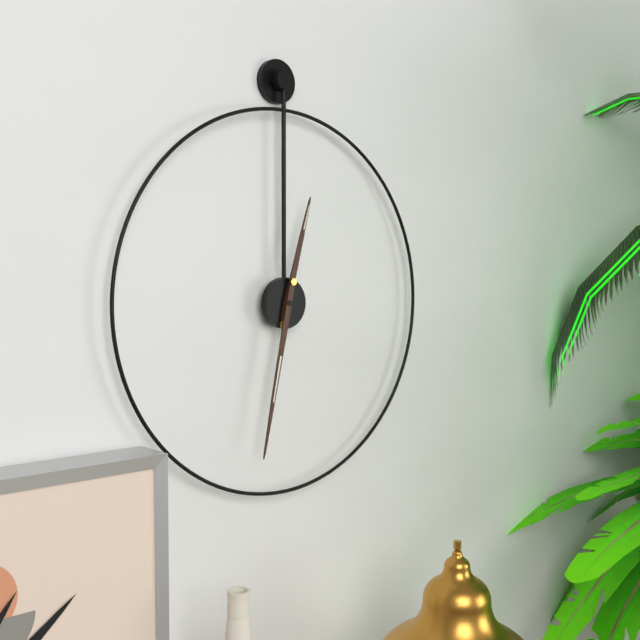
**12:32**
